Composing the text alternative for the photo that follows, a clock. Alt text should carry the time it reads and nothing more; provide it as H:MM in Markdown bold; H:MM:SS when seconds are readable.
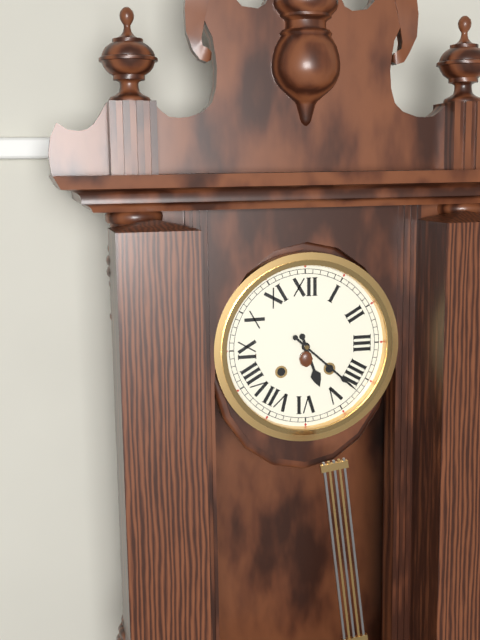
**5:22**
